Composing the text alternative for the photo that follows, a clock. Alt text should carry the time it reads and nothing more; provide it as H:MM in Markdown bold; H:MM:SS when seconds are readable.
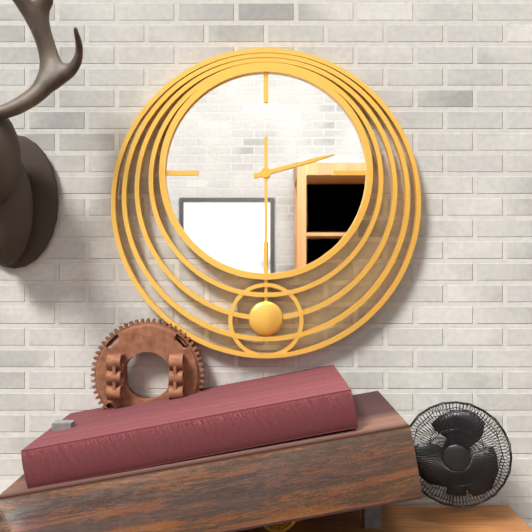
**2:30**
